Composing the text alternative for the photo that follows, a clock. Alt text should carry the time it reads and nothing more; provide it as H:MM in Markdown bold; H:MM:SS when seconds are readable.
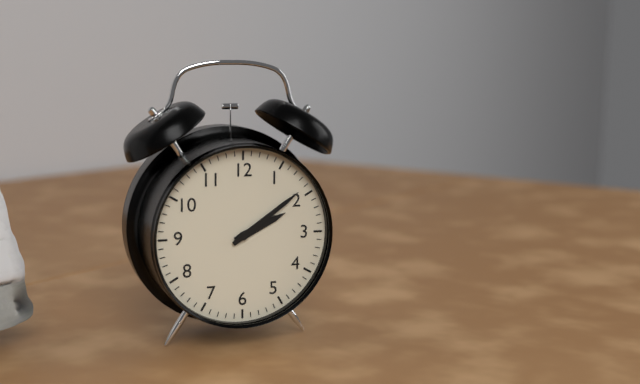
**2:09**
